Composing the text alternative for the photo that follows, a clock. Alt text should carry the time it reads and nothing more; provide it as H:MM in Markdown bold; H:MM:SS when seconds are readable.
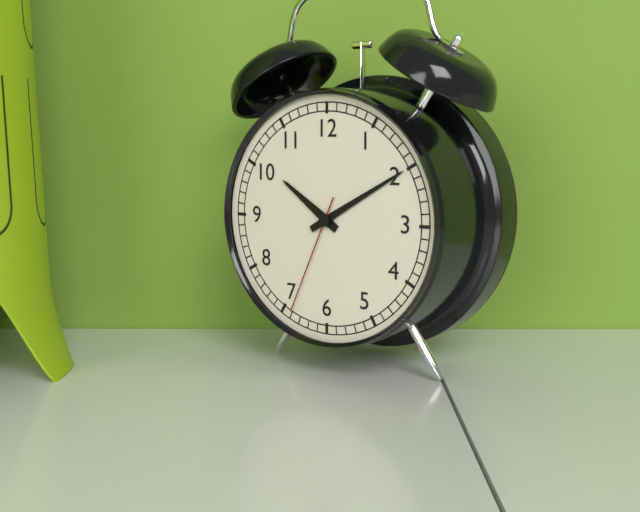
**10:10:34**
